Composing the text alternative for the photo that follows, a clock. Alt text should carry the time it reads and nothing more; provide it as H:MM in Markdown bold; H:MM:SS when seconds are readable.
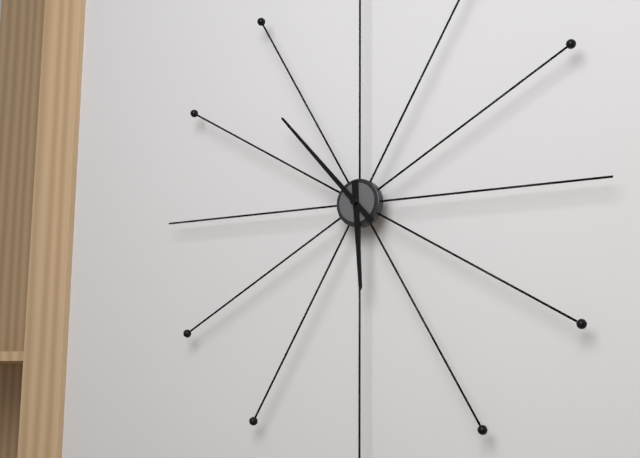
**5:53**
